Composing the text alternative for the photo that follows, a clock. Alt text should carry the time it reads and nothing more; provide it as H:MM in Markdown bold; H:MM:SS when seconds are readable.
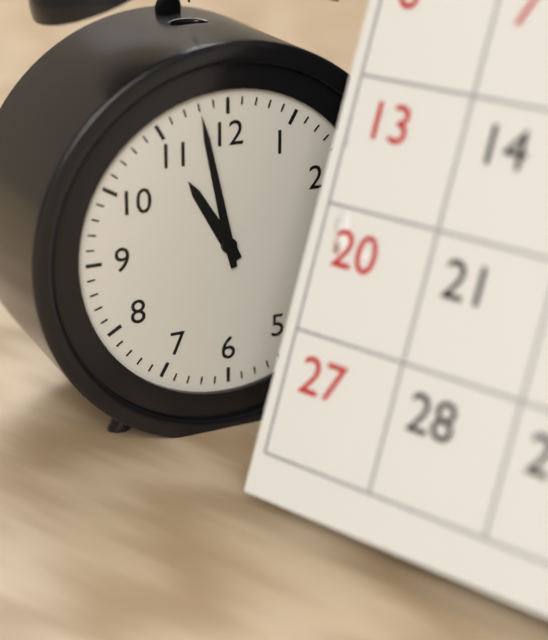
**10:58**
